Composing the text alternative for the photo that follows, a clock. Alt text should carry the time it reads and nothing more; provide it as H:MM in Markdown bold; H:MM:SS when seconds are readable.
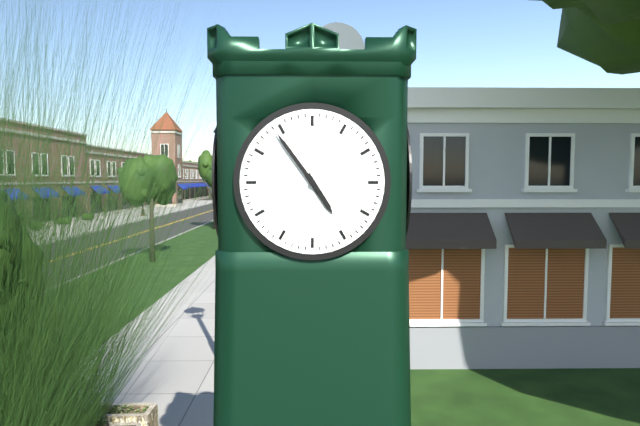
**4:54**
